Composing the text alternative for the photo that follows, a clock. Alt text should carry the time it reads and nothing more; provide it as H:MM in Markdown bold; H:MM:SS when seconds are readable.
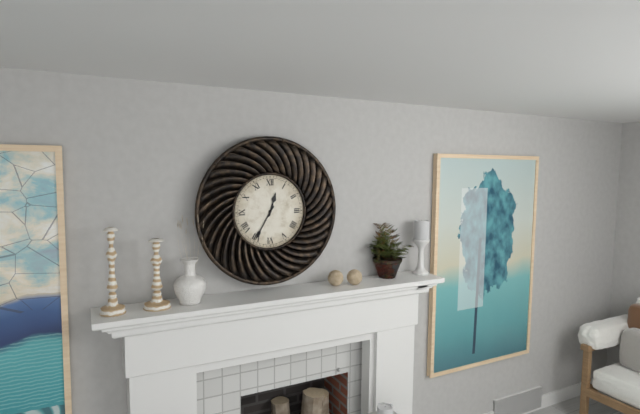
**12:35**
